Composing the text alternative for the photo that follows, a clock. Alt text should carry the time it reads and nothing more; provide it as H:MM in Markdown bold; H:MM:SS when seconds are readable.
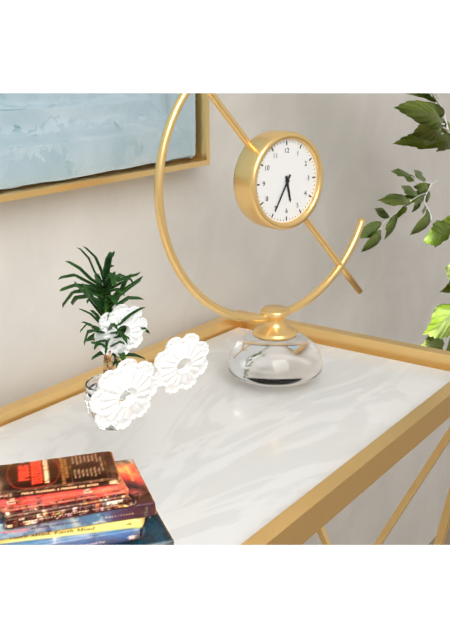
**5:35**
